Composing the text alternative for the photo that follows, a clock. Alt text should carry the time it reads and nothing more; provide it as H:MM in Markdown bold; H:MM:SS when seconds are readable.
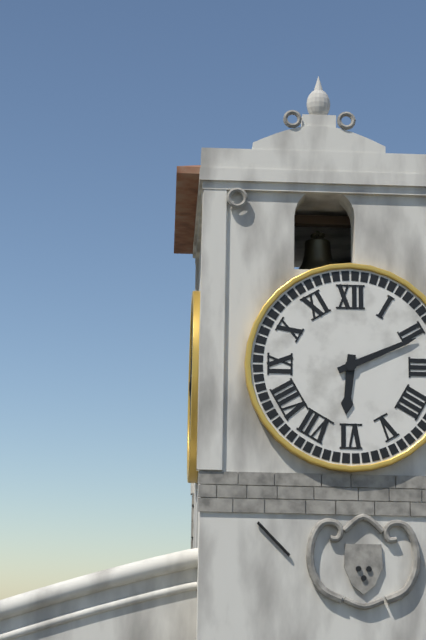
**6:11**
